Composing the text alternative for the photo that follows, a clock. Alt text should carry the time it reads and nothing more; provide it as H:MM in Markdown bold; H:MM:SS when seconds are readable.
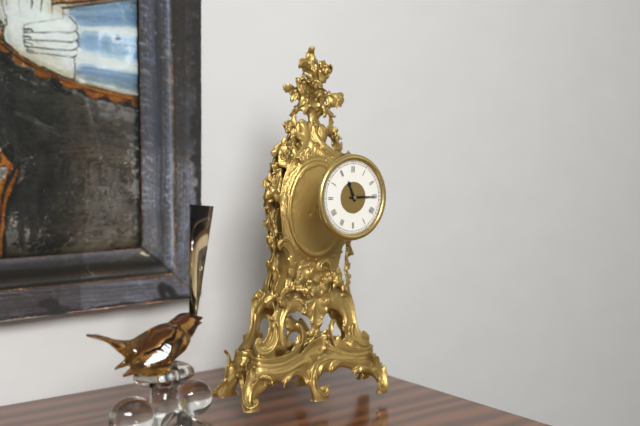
**11:15**
